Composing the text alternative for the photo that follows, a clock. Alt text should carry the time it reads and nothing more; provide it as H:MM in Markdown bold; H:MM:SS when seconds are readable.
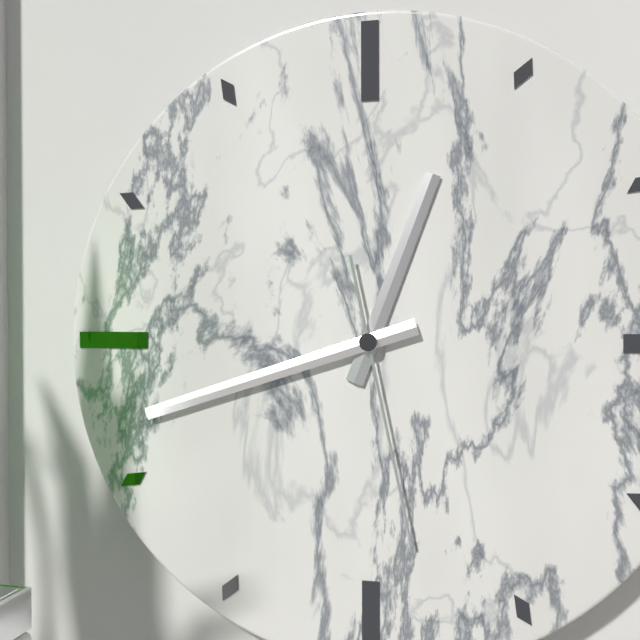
**12:42:28**
